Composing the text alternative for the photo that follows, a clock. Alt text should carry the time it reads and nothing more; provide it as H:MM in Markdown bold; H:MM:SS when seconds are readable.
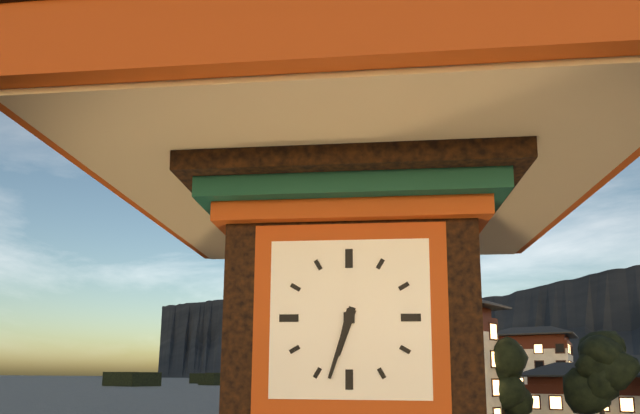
**6:33**
